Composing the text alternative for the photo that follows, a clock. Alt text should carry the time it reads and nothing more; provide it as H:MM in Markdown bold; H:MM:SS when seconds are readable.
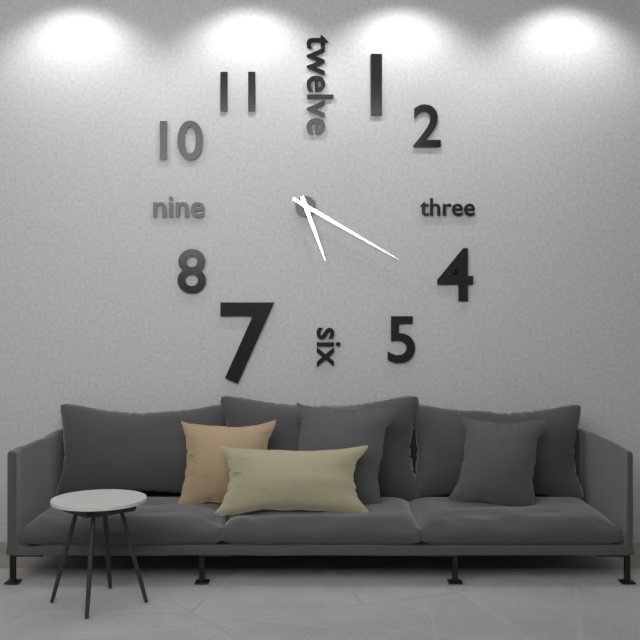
**5:20**
